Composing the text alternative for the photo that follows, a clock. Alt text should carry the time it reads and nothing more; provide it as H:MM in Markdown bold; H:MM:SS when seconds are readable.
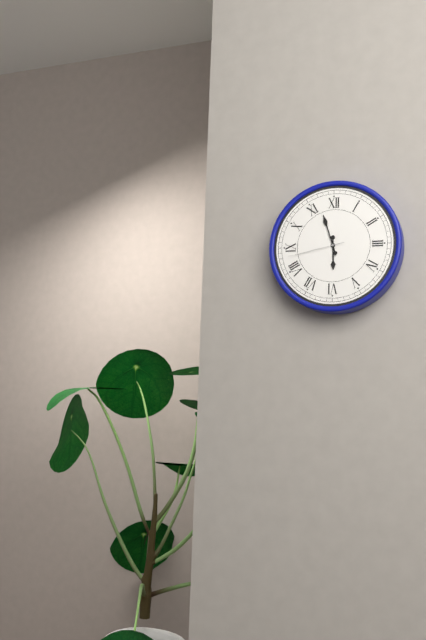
**5:57:43**
